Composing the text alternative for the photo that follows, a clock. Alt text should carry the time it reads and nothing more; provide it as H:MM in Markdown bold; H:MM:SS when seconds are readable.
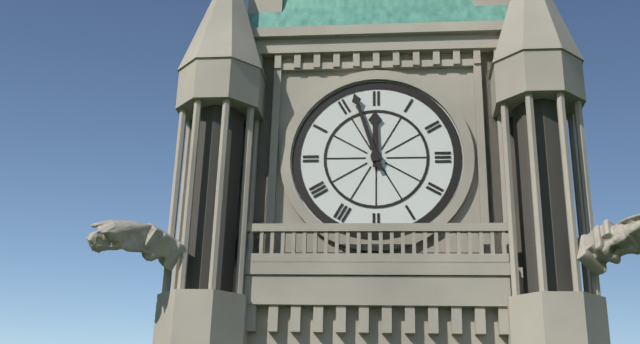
**11:57**
